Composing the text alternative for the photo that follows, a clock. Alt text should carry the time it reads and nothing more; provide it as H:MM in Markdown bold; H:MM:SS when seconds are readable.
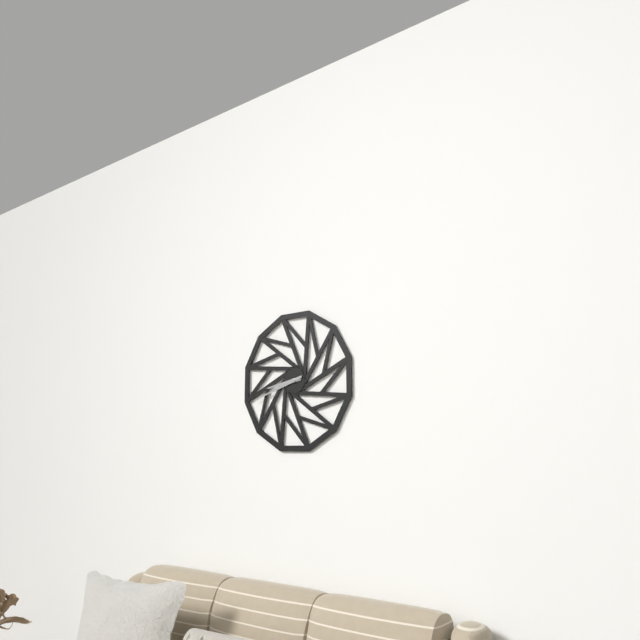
**8:42**
